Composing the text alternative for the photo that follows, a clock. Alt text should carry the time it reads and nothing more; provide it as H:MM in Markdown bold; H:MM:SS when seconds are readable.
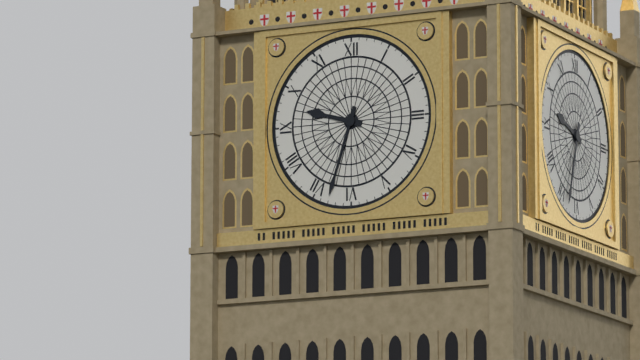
**9:33**
